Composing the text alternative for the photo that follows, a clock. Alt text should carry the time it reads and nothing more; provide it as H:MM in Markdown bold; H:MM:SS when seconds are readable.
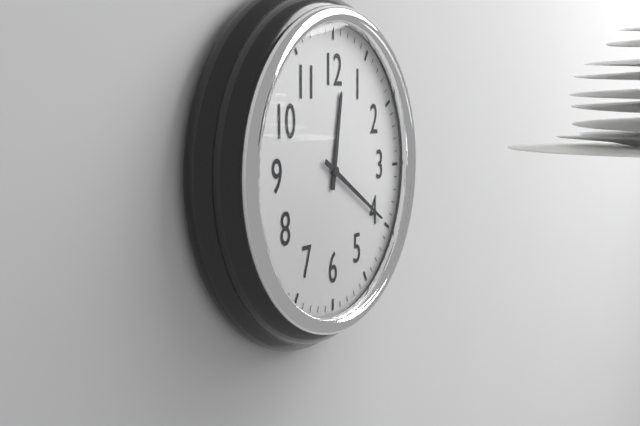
**12:20**
